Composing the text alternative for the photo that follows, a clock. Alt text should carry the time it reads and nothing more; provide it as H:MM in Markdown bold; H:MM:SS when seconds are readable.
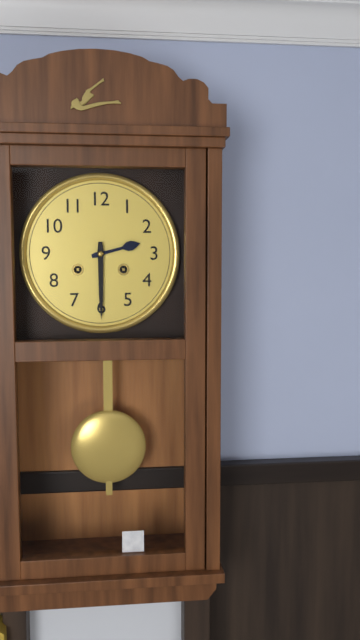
**2:30**
